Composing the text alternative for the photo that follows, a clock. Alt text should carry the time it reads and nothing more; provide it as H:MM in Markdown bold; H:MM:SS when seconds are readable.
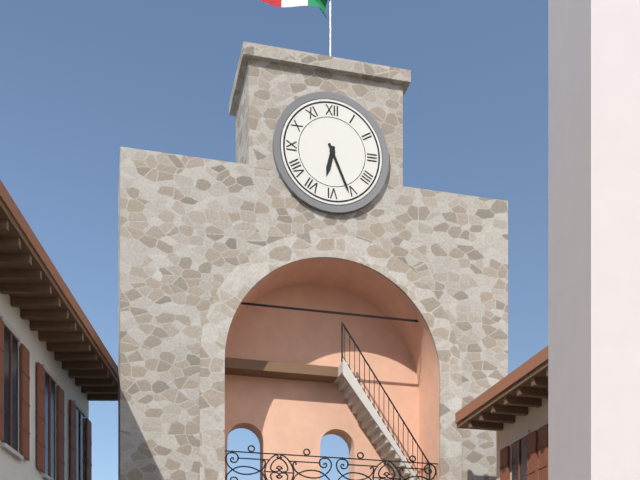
**6:26**
